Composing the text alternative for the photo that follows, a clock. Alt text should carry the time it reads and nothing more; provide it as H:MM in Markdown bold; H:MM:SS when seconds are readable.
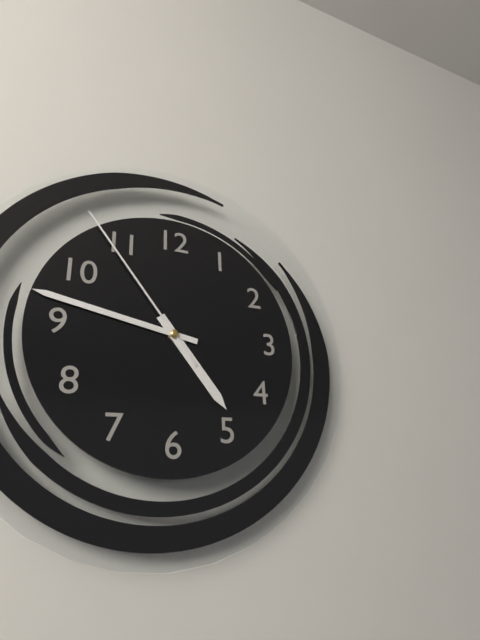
**4:47:54**
